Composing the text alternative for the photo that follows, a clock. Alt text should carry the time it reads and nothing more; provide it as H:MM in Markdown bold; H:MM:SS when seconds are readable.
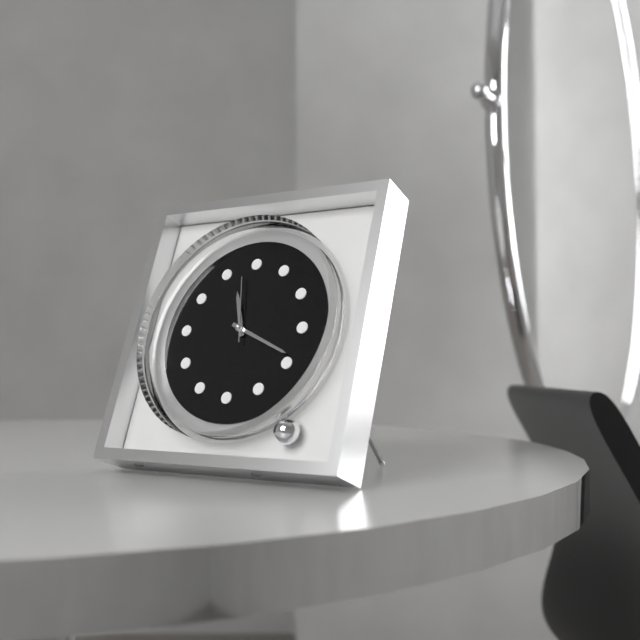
**11:19:58**
